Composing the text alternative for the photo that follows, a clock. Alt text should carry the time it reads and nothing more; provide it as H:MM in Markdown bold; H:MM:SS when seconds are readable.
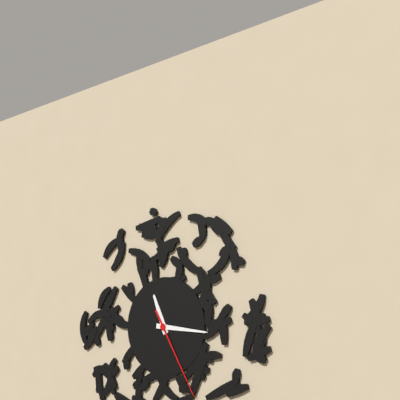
**11:16:25**
